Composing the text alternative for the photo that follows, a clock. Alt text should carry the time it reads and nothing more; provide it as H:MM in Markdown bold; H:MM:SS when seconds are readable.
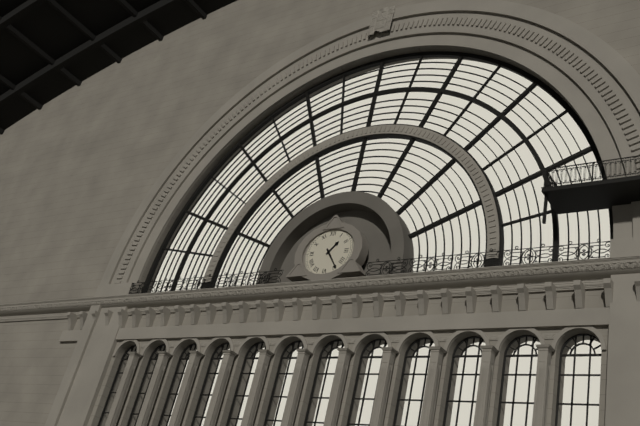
**1:24**
